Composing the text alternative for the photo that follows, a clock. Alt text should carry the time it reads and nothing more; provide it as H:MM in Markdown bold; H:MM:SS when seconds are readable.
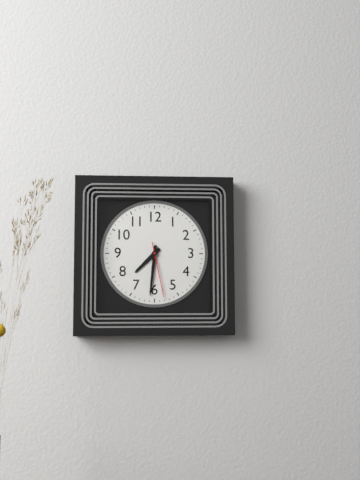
**7:31:28**
